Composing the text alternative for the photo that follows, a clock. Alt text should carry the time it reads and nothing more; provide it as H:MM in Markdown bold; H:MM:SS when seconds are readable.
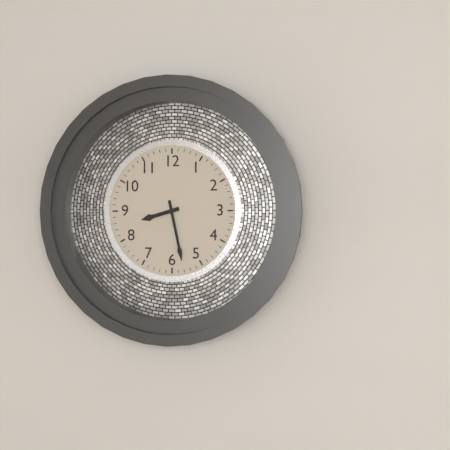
**8:28**
